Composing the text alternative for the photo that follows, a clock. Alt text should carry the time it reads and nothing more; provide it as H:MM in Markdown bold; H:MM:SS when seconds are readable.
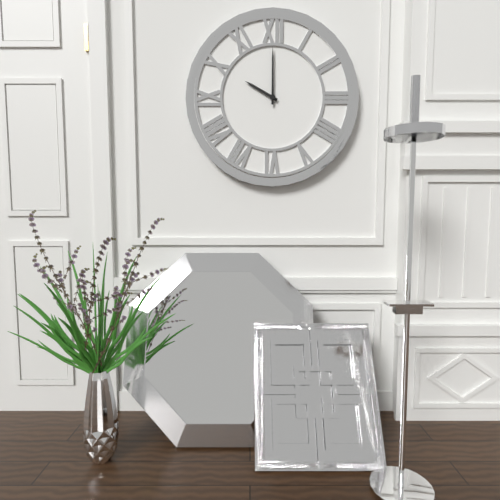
**10:00**
